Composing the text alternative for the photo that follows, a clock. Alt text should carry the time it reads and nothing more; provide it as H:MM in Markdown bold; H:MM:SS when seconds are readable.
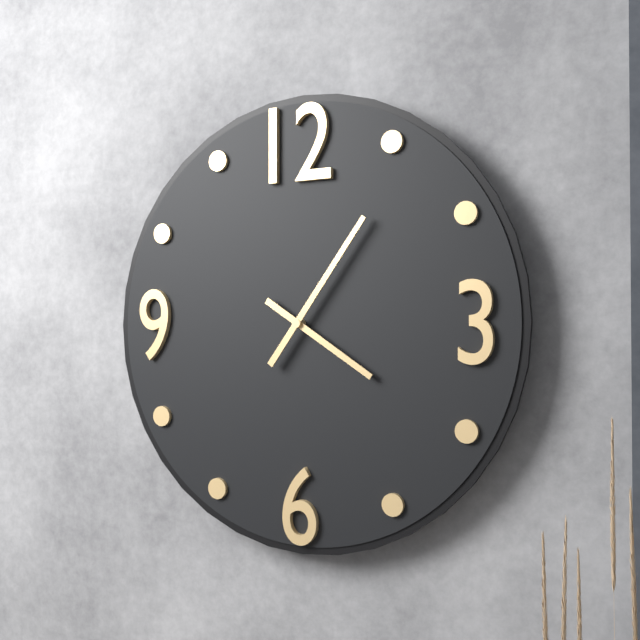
**4:06**
